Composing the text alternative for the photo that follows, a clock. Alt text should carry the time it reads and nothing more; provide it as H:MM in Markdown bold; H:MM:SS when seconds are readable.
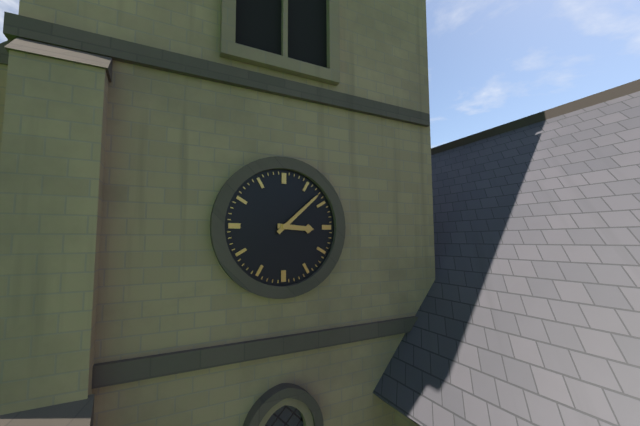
**3:08**
